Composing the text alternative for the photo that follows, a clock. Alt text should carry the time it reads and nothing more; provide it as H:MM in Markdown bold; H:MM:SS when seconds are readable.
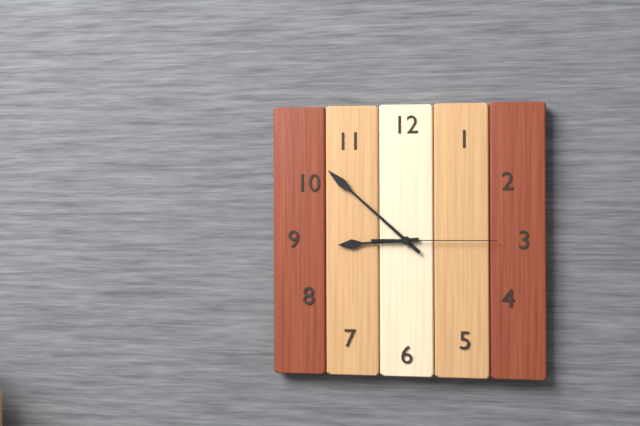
**8:52:15**
